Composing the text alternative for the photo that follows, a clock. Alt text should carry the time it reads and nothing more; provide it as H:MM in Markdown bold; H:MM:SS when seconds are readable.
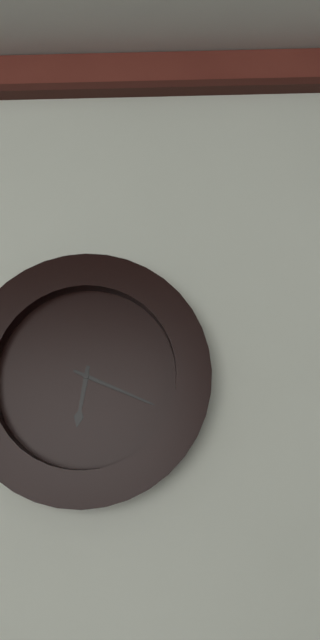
**6:19**
